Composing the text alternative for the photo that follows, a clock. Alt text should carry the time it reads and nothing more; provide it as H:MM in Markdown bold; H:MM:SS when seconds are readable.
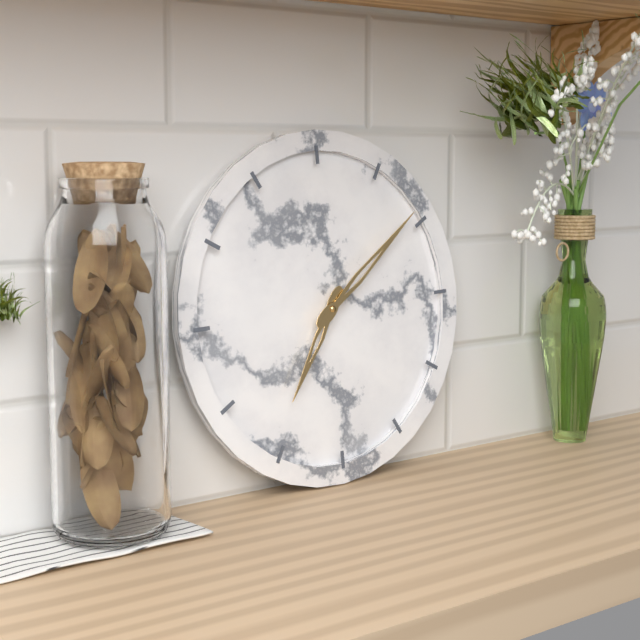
**7:09**
